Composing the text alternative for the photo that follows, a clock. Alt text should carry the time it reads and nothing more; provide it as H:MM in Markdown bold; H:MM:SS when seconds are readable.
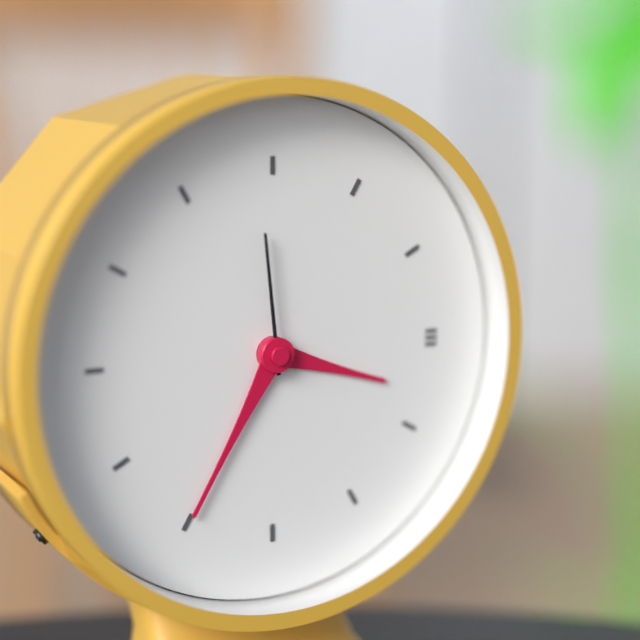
**3:35:59**
